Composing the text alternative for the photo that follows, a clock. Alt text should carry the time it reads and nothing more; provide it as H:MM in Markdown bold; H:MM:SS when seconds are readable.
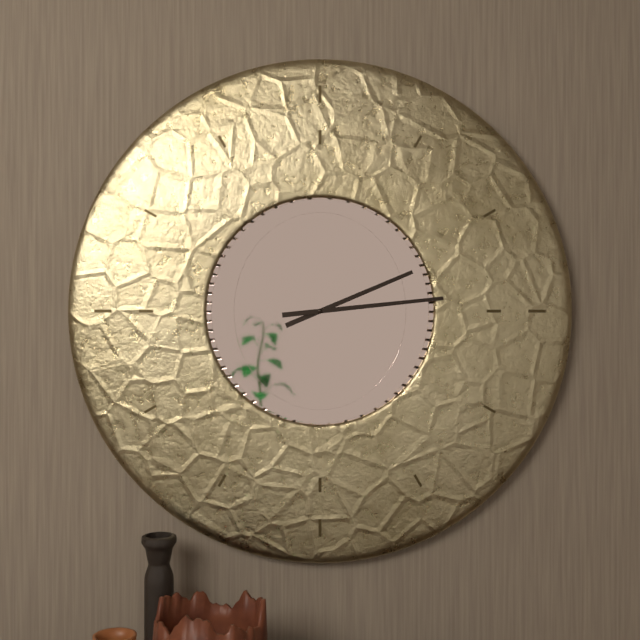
**2:14**
